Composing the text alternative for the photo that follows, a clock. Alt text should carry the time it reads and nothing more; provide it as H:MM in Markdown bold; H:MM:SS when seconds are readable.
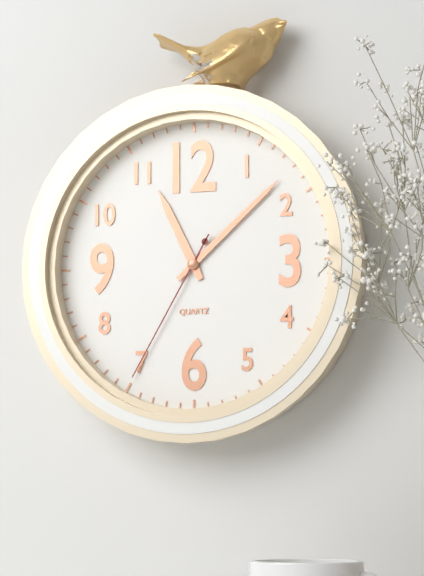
**11:08:35**
